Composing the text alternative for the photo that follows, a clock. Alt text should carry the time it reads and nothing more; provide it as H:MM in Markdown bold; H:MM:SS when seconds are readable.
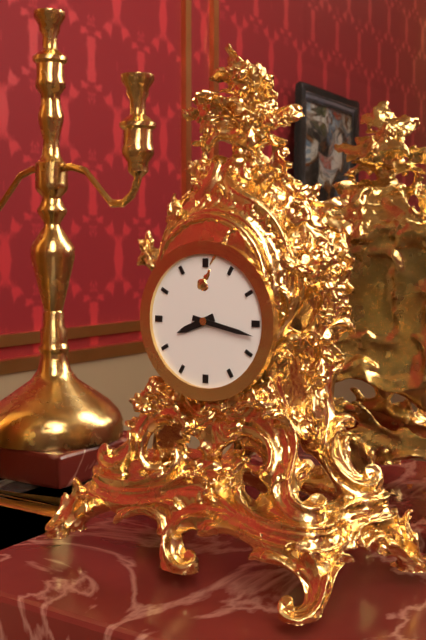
**8:17**
